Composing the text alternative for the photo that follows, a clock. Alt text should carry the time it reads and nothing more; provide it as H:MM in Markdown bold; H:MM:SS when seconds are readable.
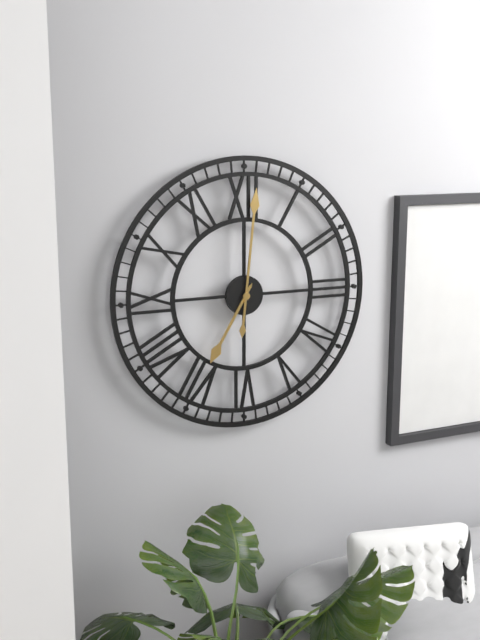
**7:01**
